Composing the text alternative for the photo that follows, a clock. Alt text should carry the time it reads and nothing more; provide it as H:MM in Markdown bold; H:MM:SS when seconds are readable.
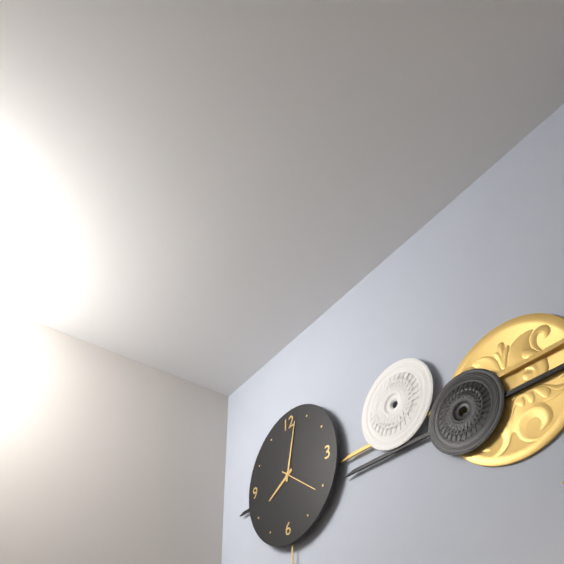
**8:02**
